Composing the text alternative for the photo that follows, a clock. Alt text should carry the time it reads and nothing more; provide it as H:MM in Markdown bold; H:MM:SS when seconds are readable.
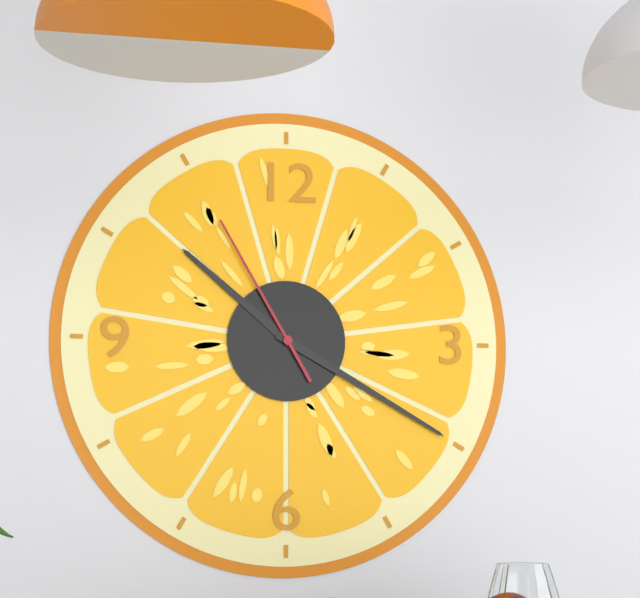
**10:20:55**
